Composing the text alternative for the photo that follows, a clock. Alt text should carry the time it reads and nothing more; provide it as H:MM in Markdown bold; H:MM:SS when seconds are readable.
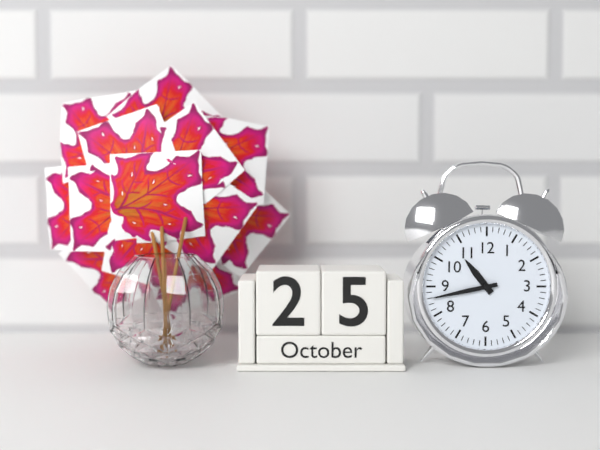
**10:43**
